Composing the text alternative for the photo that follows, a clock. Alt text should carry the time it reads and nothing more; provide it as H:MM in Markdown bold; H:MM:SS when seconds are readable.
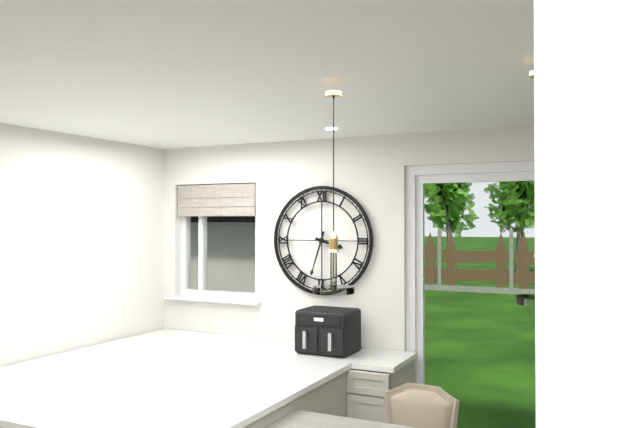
**3:33**
